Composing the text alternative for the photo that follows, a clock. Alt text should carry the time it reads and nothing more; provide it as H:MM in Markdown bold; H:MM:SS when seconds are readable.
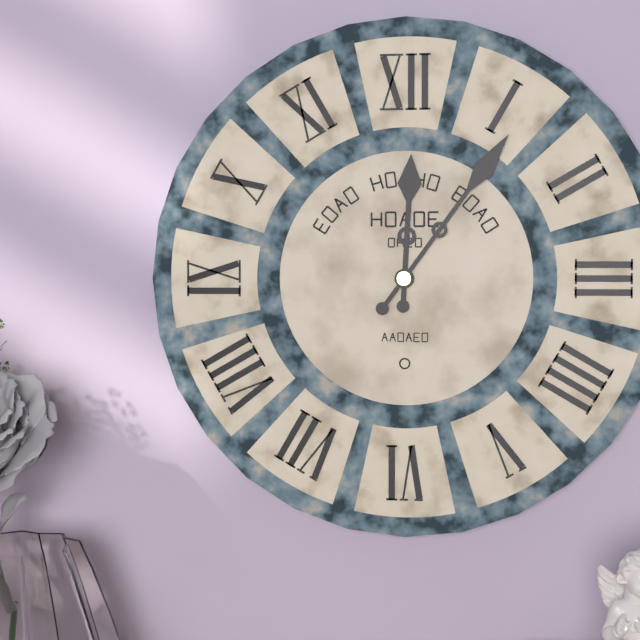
**12:06**
